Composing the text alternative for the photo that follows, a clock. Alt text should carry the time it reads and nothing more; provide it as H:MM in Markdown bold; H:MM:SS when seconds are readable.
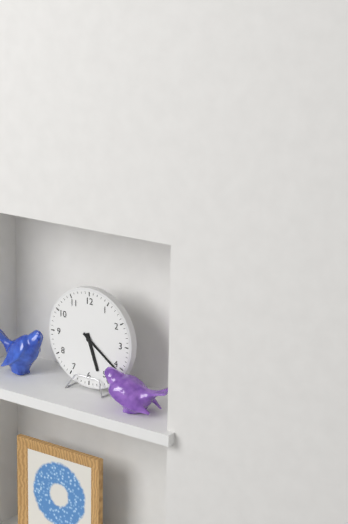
**5:21**
